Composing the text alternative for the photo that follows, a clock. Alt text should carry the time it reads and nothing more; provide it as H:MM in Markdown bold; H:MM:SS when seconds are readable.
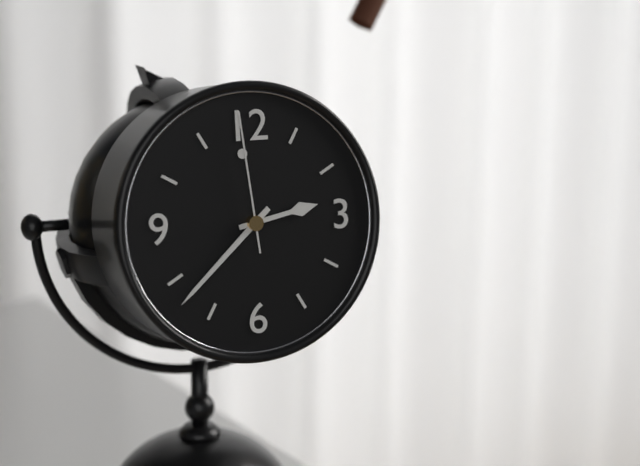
**2:38:59**
